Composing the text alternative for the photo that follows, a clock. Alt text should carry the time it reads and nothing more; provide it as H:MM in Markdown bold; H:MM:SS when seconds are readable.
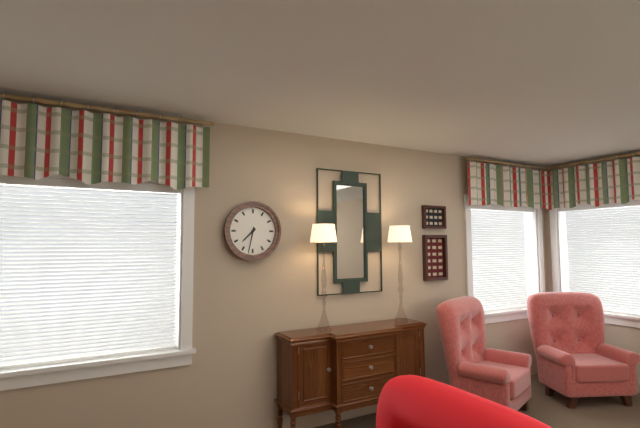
**7:32**
